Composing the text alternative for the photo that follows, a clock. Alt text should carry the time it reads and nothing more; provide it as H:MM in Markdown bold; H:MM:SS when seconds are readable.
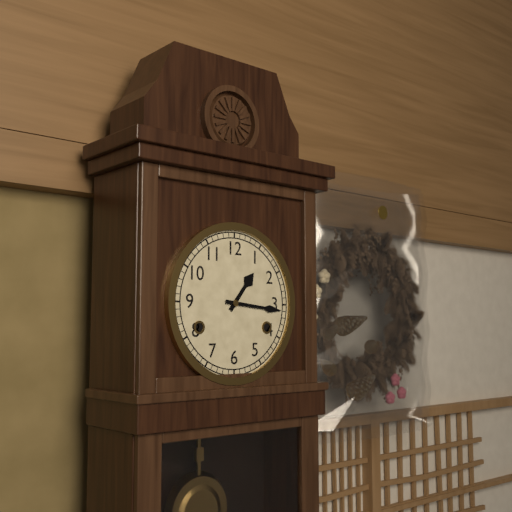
**1:16**
